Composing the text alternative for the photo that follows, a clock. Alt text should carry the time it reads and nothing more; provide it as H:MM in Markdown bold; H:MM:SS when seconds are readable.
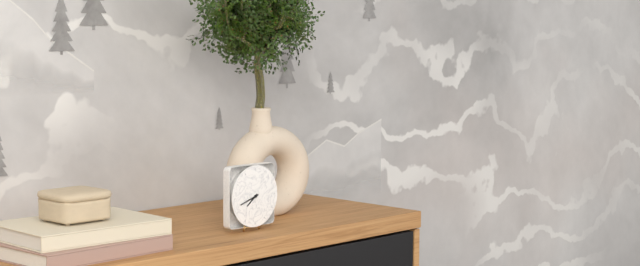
**7:42**
